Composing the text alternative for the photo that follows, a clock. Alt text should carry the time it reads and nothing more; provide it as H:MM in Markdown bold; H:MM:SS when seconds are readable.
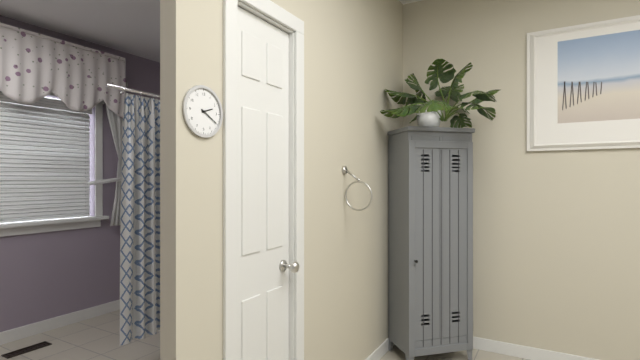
**2:20**
